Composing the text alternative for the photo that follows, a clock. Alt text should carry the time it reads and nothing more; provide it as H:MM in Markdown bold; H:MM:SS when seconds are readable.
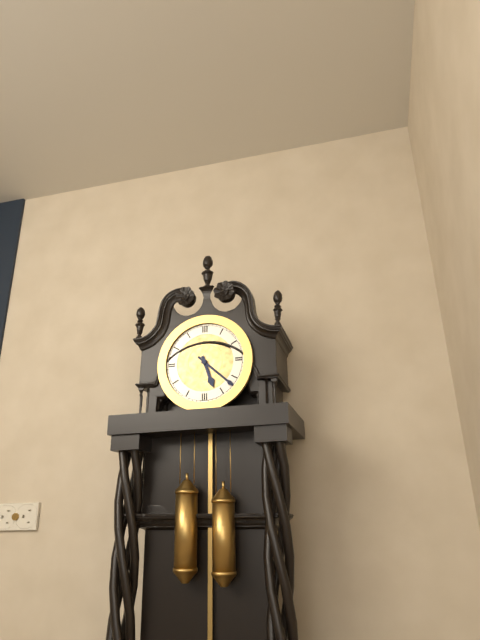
**5:22**
